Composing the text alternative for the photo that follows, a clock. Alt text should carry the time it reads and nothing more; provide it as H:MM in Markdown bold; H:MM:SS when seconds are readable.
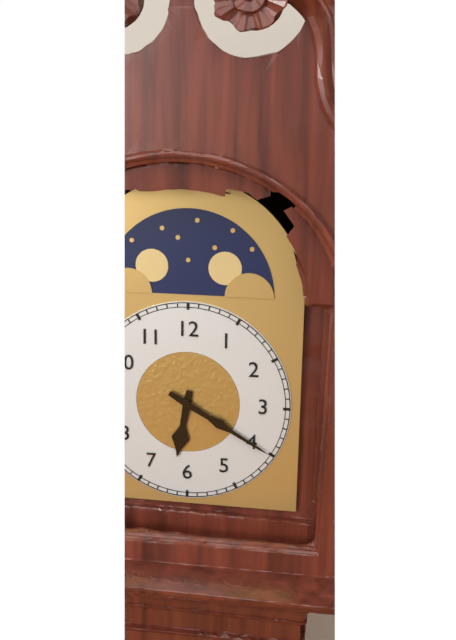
**6:20**
